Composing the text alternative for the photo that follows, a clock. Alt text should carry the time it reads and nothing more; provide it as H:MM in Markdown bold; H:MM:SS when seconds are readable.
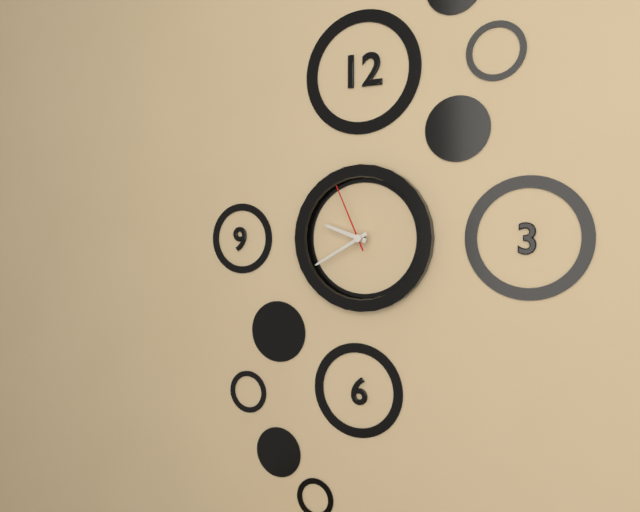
**9:40:56**
